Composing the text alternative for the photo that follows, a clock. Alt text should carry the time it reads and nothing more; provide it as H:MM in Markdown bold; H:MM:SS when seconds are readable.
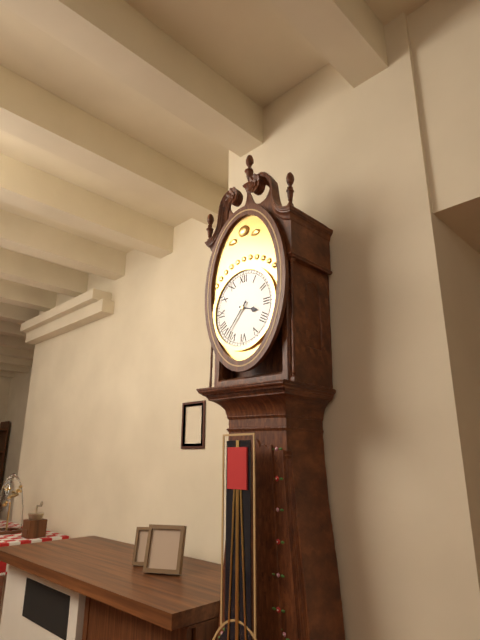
**3:37**
